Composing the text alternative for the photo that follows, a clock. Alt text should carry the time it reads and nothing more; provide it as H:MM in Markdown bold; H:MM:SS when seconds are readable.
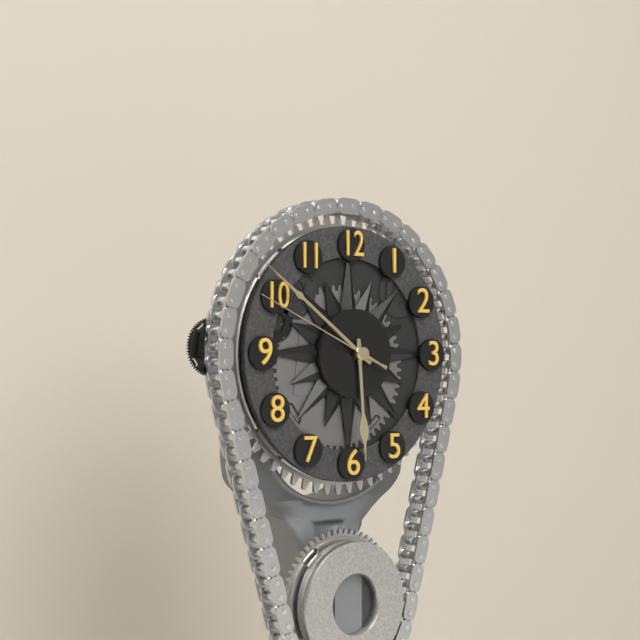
**5:51:49**
